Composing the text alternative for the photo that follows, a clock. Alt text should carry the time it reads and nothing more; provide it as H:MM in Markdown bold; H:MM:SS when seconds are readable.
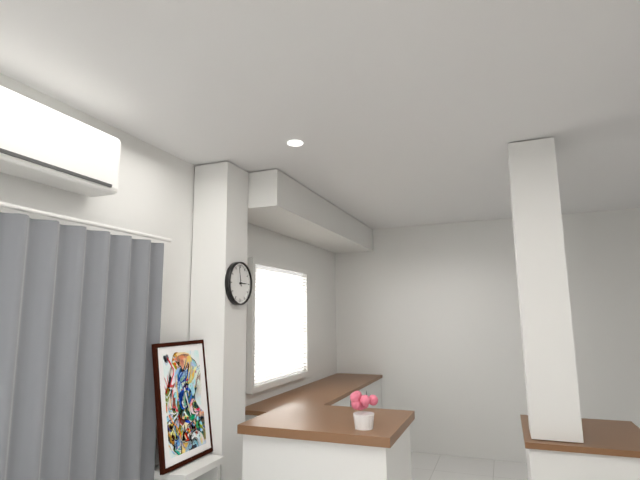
**2:58**
